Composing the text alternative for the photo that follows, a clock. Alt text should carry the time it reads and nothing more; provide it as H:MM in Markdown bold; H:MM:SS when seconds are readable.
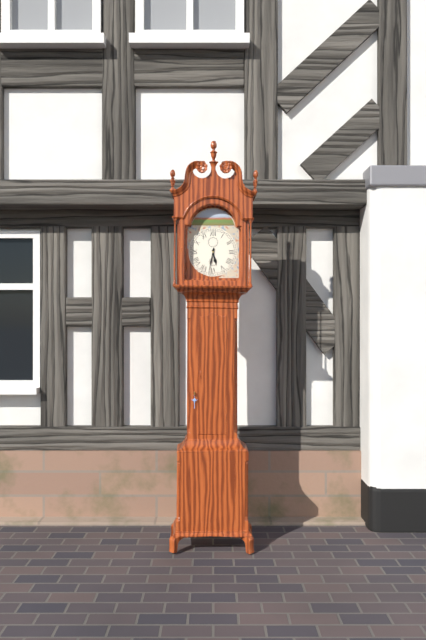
**5:32**
